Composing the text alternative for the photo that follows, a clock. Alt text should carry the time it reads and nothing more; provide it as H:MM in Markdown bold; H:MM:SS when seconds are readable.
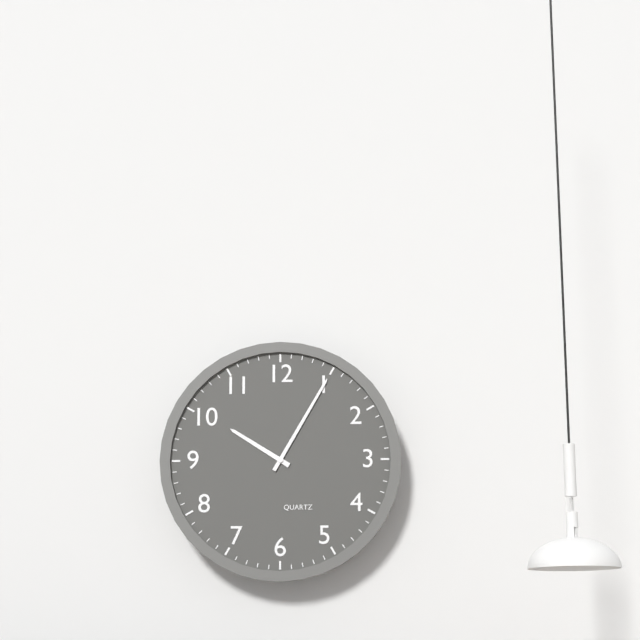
**10:05**
